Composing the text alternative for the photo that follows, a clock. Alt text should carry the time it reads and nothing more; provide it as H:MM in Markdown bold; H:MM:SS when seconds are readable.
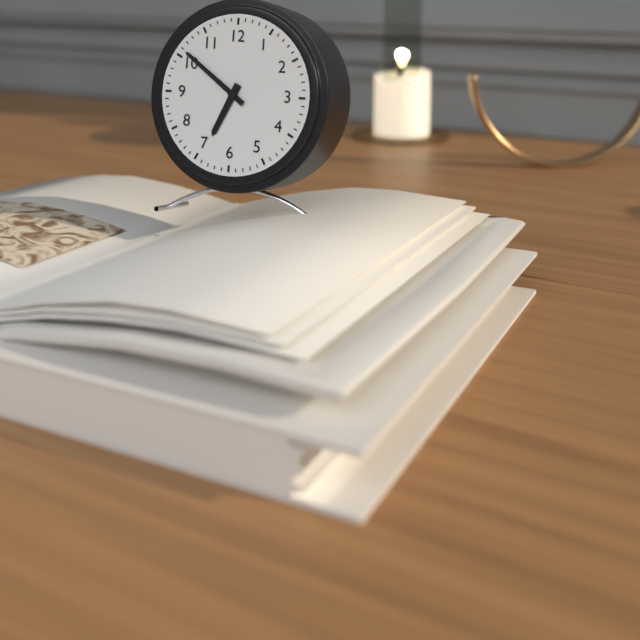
**6:51**
